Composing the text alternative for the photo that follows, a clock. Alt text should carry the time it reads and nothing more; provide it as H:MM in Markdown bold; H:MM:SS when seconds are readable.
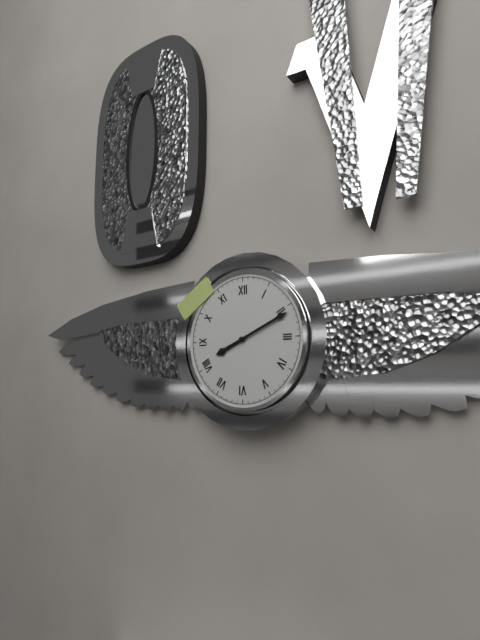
**8:11**
